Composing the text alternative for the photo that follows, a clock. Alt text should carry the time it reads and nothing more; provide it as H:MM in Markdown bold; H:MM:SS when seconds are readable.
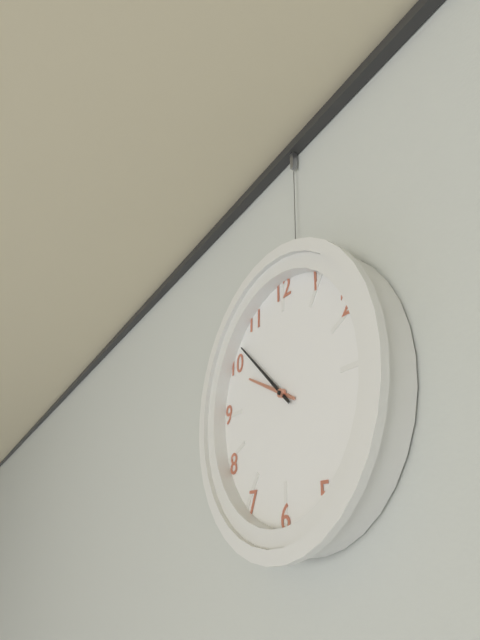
**9:52**
